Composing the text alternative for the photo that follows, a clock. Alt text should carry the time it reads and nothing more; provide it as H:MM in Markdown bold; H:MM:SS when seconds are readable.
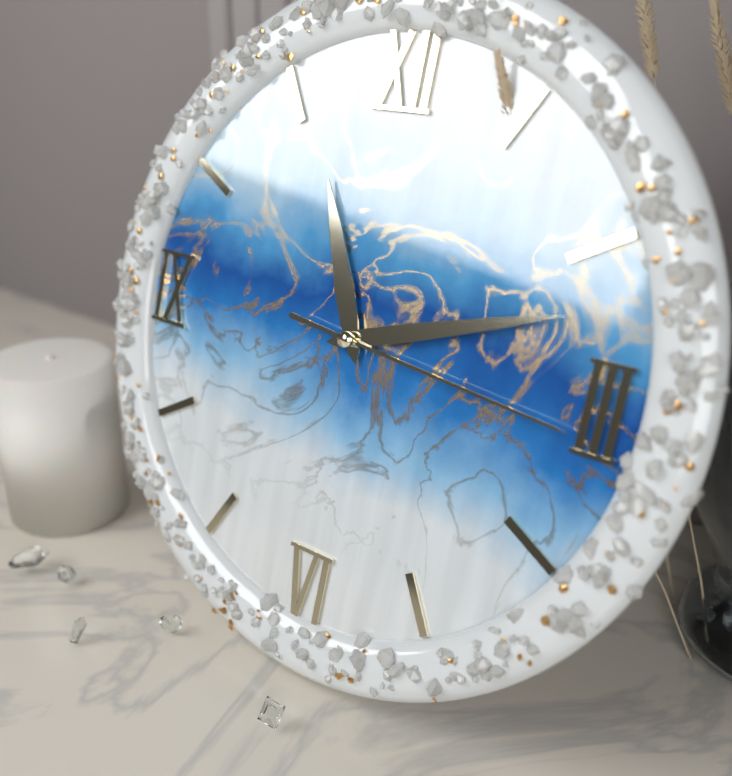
**11:12:16**
